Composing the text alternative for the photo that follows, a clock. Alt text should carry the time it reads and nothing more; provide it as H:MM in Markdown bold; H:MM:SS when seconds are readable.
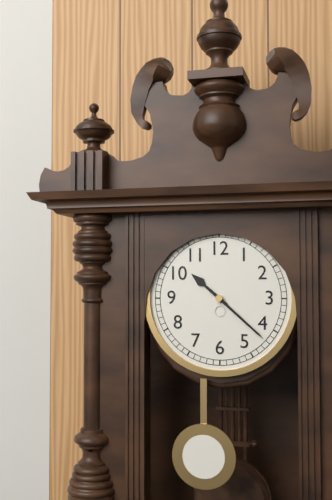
**10:22**
